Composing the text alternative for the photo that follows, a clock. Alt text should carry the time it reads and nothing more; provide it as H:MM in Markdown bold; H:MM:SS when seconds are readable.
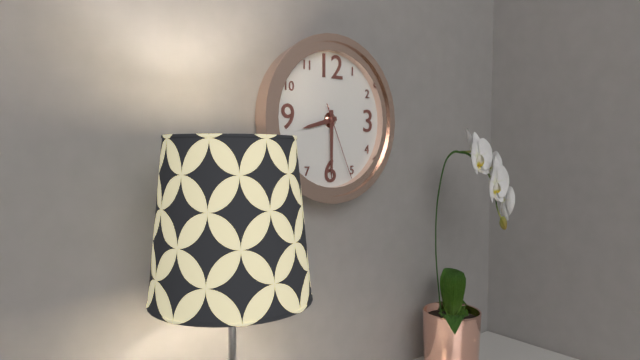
**8:30:26**
